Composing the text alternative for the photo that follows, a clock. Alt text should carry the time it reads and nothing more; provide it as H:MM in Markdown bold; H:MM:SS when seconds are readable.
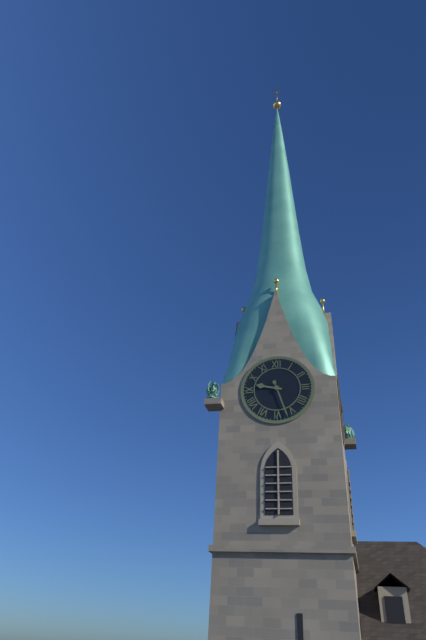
**9:27**
